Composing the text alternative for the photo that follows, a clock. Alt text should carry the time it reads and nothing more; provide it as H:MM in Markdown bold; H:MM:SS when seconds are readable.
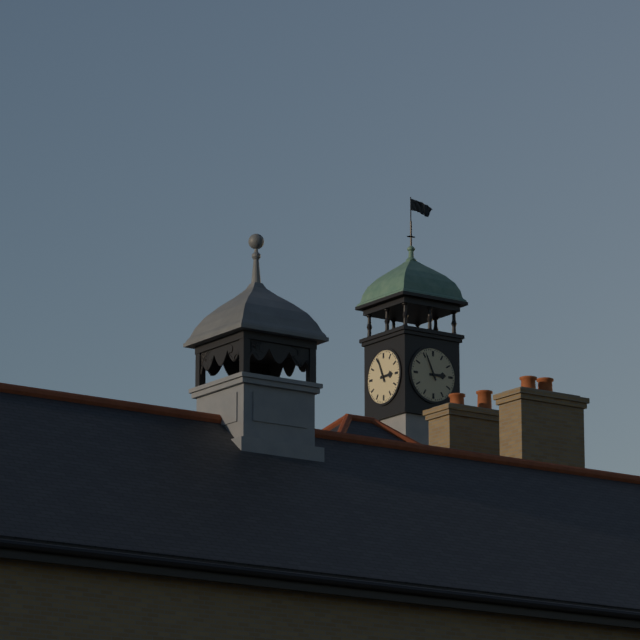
**2:56**
